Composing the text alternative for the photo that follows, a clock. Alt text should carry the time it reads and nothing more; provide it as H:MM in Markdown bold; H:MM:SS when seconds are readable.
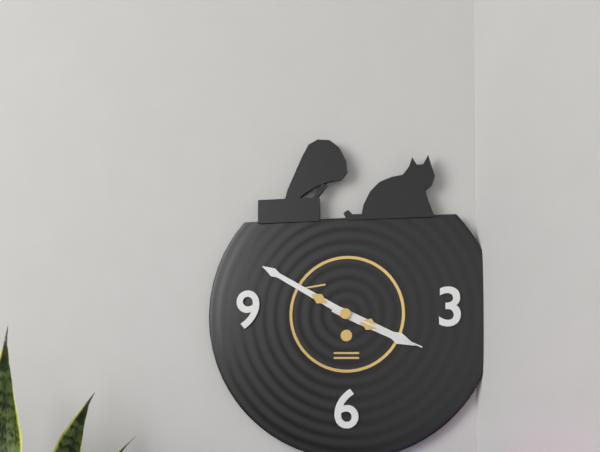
**3:50:19**
